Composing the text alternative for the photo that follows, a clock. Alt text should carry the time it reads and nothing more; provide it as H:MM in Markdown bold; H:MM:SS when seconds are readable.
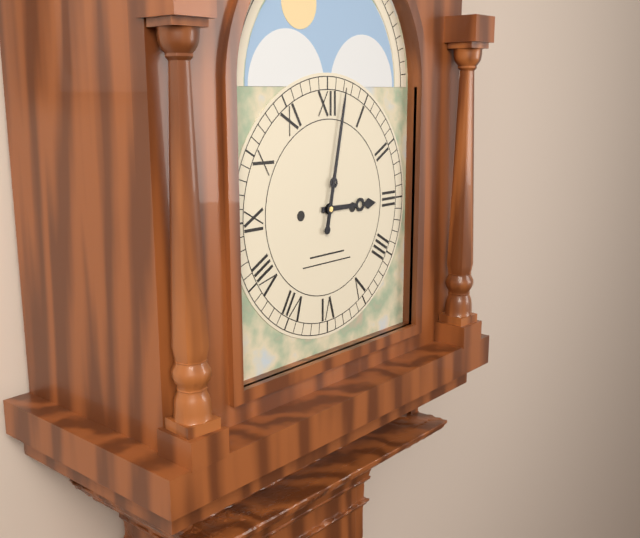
**3:02**
